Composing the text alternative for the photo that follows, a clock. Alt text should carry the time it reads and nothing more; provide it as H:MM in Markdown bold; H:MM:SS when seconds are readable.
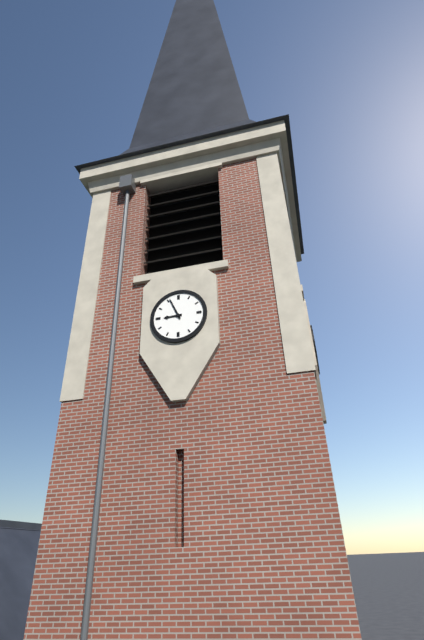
**8:56**
